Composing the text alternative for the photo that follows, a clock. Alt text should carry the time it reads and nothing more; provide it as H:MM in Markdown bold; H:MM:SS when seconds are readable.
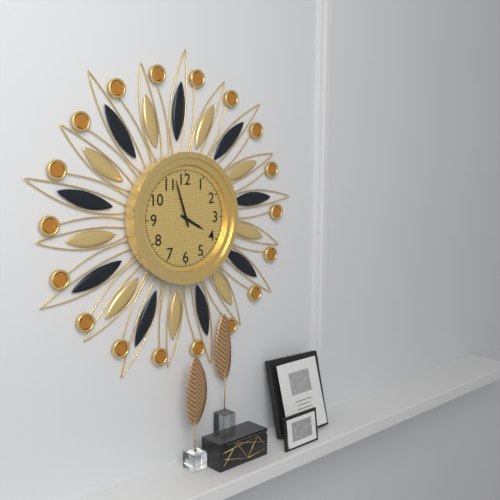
**3:57**
